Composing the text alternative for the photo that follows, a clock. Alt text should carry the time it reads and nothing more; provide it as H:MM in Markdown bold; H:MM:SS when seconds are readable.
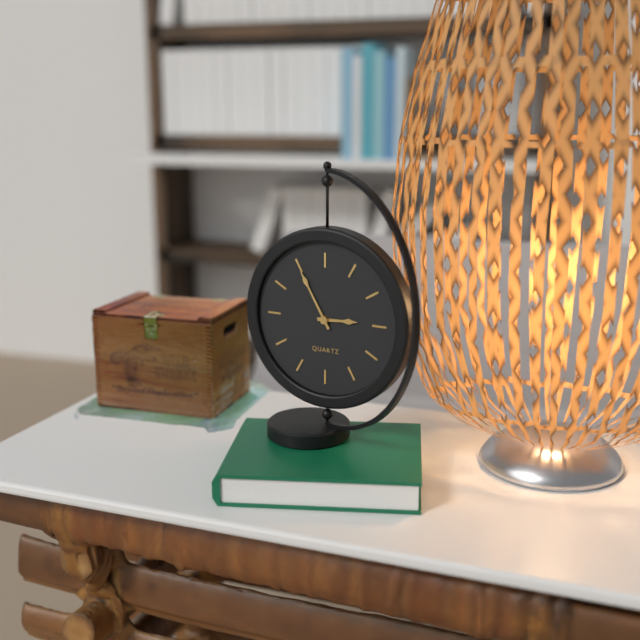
**2:55**
